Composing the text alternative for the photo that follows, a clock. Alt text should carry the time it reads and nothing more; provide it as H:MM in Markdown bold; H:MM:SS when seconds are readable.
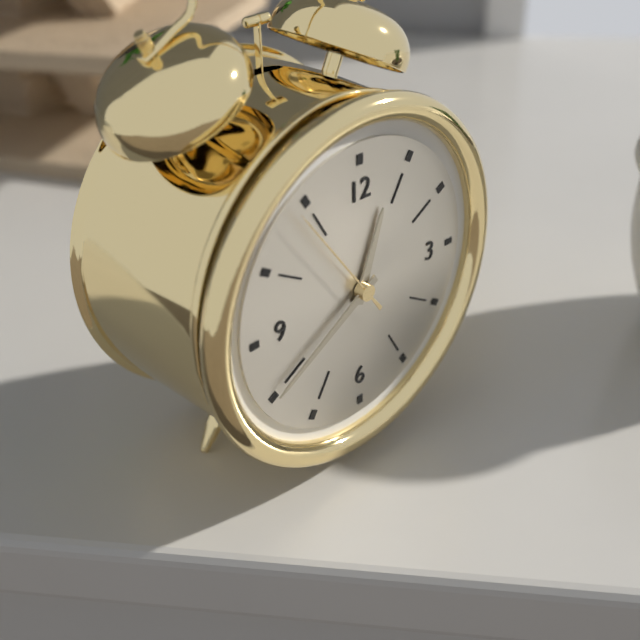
**12:40:54**
